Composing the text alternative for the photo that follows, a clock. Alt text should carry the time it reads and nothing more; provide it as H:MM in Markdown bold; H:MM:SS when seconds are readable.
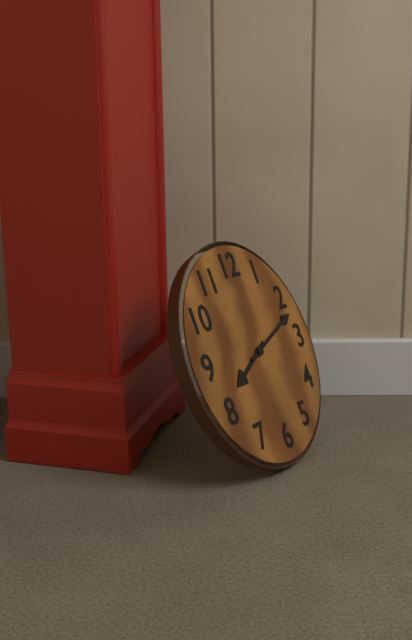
**8:12**
